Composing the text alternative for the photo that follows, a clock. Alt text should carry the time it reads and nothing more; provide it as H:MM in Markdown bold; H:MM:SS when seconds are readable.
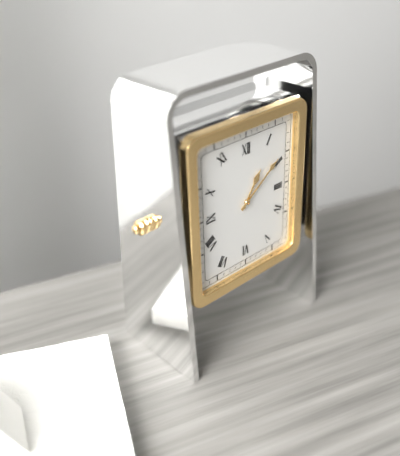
**1:09**
